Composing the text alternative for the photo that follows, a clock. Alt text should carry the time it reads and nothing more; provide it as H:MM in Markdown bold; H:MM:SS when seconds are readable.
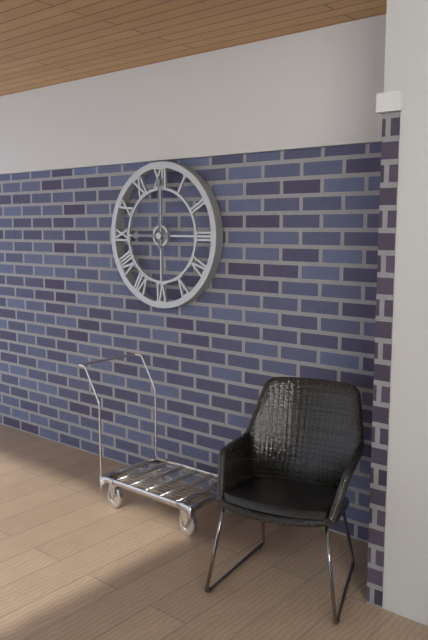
**9:00**
